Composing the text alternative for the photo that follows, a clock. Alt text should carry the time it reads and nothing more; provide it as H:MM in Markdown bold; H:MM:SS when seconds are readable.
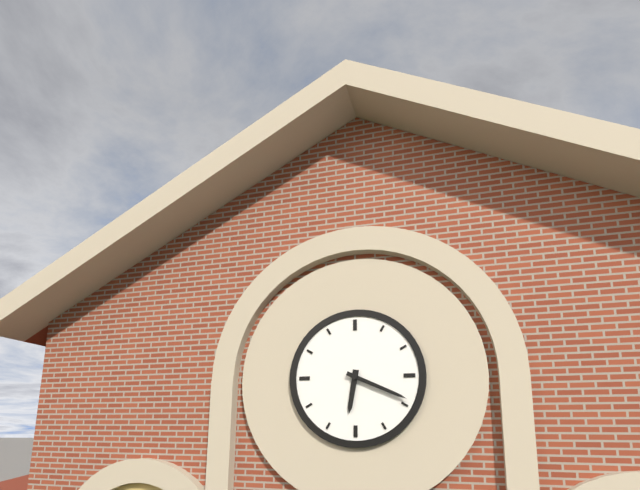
**6:19**
